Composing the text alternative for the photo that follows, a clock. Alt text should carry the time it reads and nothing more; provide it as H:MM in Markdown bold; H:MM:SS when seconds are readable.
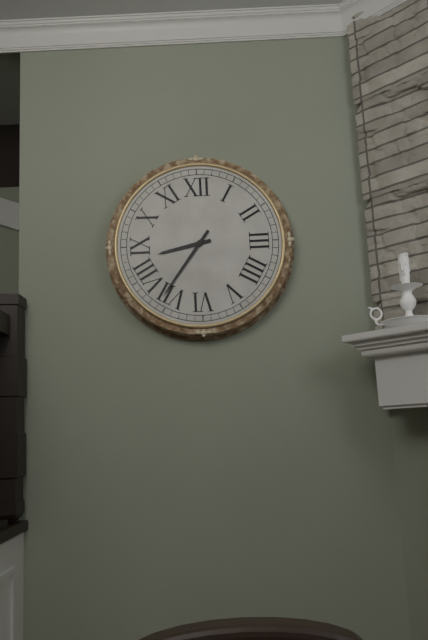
**8:36**
